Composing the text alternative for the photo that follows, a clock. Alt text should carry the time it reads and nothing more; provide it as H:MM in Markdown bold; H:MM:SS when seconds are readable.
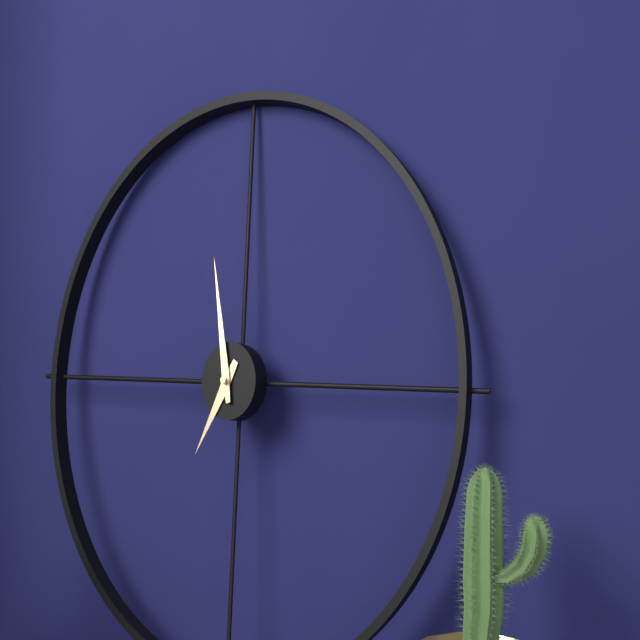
**6:58**
